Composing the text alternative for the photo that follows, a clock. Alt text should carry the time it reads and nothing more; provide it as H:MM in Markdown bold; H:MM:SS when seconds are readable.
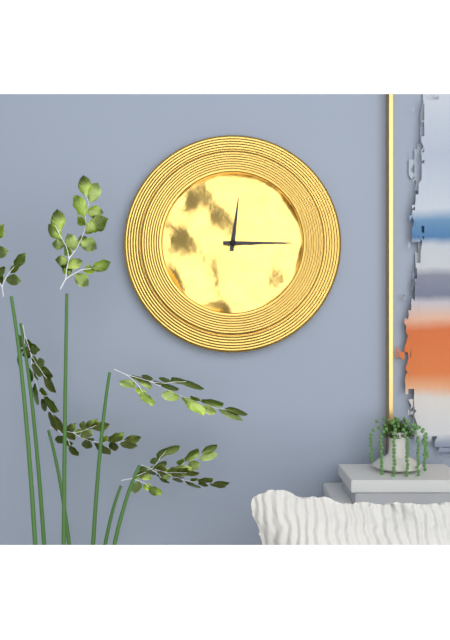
**12:15**
